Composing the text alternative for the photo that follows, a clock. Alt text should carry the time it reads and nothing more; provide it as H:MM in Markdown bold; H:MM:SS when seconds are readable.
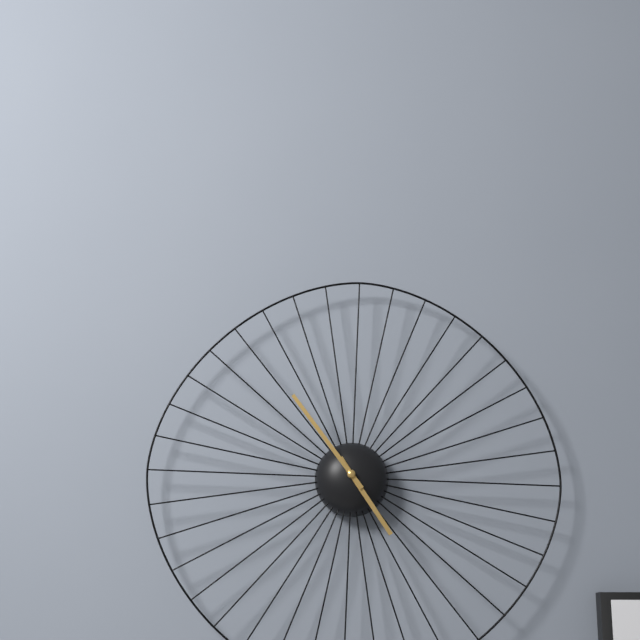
**4:54**
